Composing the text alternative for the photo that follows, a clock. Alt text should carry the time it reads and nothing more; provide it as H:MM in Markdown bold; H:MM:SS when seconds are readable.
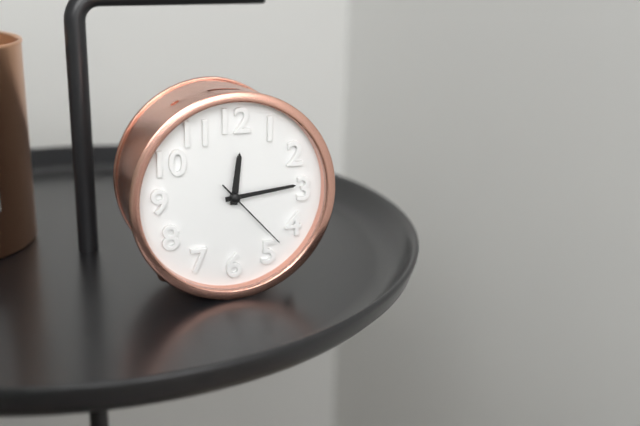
**12:14:23**
